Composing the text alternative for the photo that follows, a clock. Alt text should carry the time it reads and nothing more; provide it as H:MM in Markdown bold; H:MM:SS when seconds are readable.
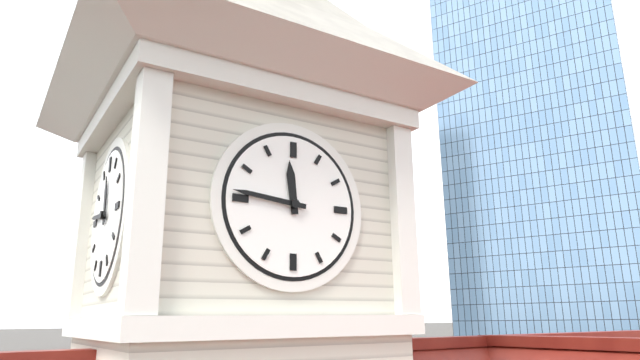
**11:46**
